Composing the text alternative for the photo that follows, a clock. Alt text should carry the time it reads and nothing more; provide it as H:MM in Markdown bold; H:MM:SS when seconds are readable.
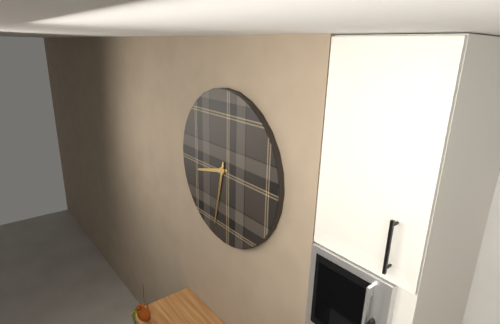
**8:32**
